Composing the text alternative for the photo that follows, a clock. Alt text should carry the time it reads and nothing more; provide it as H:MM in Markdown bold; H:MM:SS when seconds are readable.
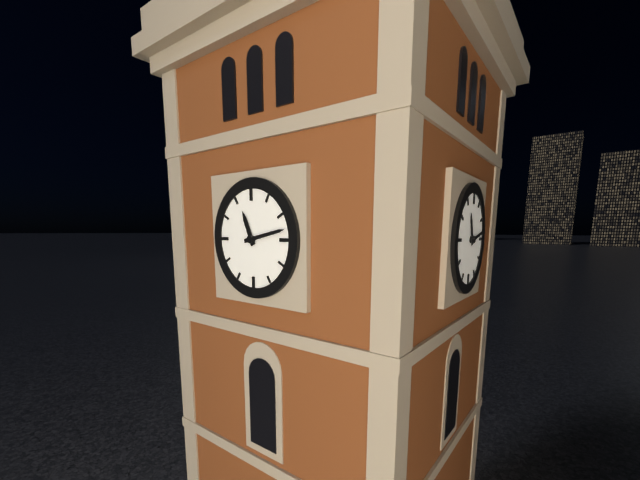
**11:13**
